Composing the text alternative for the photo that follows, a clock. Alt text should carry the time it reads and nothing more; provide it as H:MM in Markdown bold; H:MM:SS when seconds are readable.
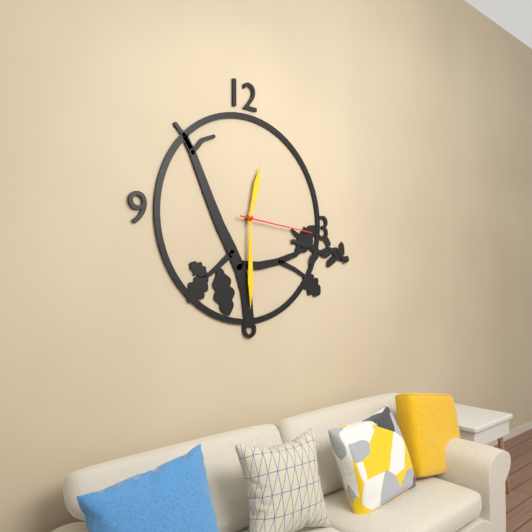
**12:30:16**
